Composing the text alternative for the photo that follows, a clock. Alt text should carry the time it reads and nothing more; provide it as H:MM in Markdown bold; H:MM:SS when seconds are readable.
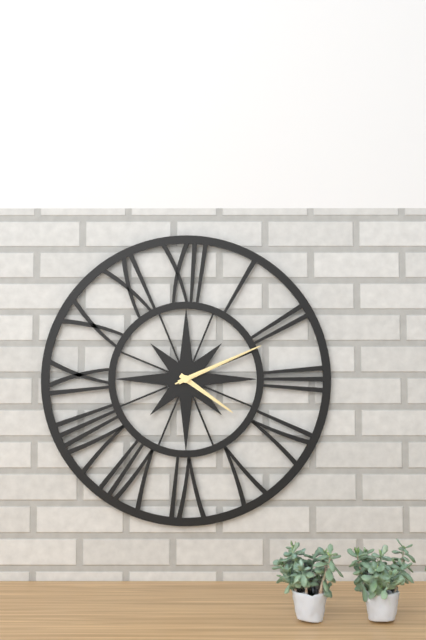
**4:11:11**
